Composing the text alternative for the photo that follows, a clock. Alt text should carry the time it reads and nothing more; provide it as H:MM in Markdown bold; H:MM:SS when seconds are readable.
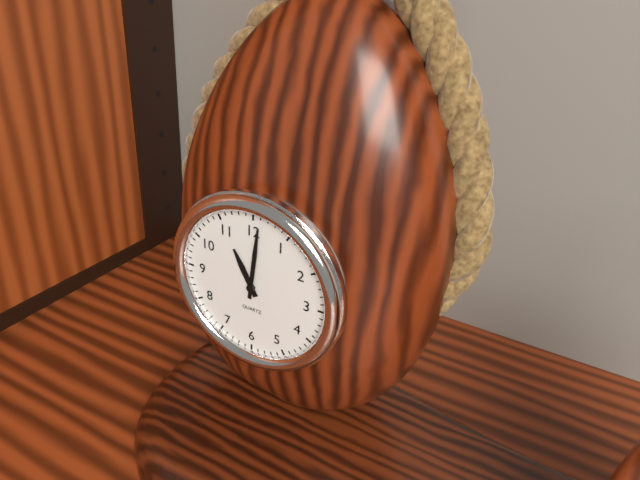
**11:01**
